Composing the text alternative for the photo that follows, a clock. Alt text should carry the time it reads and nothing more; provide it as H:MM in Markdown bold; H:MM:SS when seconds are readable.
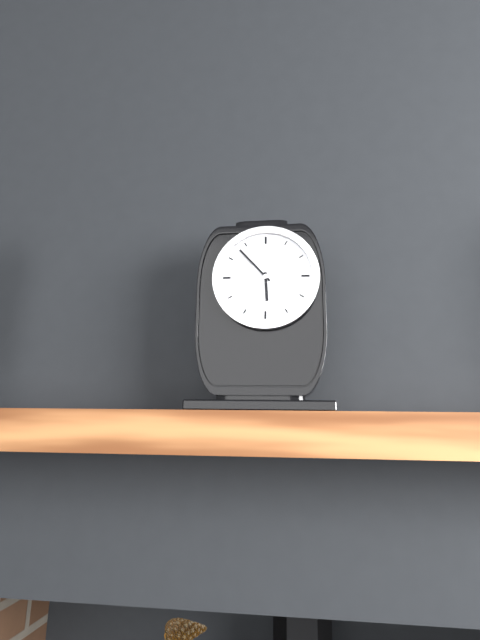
**5:53**
